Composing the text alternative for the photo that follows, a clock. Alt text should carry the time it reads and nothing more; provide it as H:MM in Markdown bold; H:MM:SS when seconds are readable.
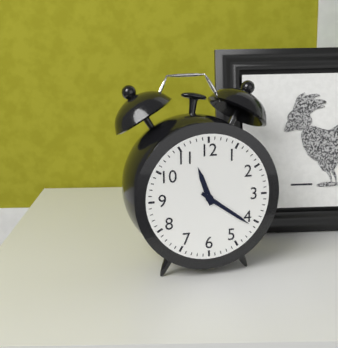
**11:21**
